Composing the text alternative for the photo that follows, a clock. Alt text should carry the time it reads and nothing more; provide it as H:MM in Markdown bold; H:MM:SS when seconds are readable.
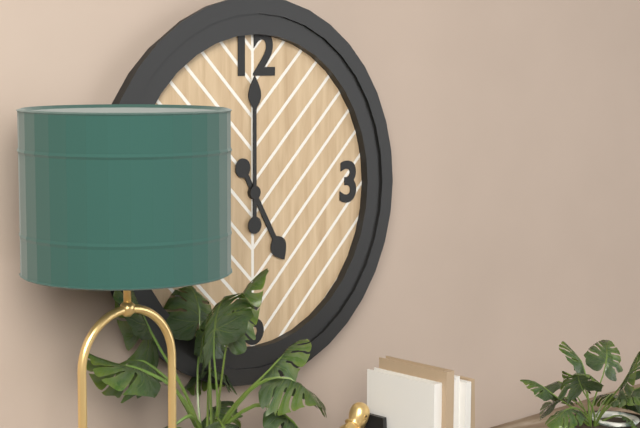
**5:00**
